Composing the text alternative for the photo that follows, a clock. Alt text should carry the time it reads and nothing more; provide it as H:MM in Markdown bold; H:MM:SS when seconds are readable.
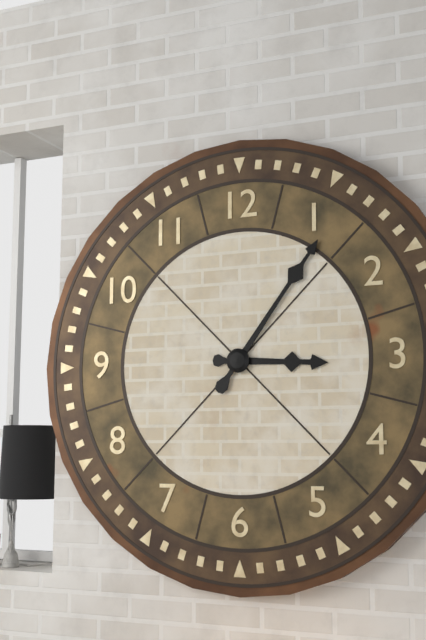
**3:06**
